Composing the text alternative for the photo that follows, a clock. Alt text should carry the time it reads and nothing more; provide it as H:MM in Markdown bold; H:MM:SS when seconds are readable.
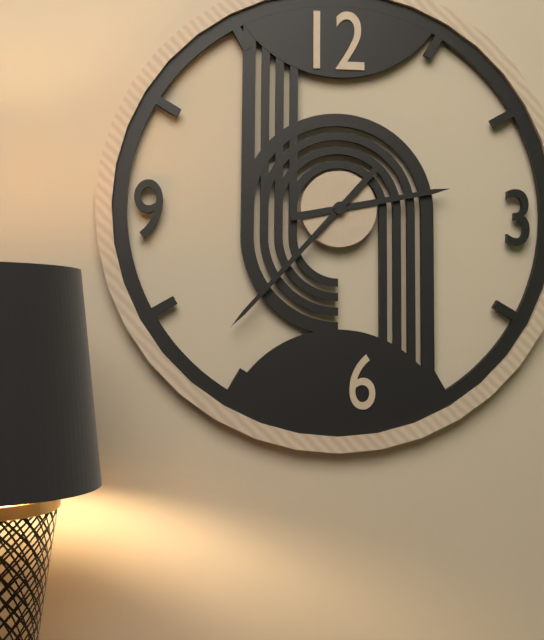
**2:37**
